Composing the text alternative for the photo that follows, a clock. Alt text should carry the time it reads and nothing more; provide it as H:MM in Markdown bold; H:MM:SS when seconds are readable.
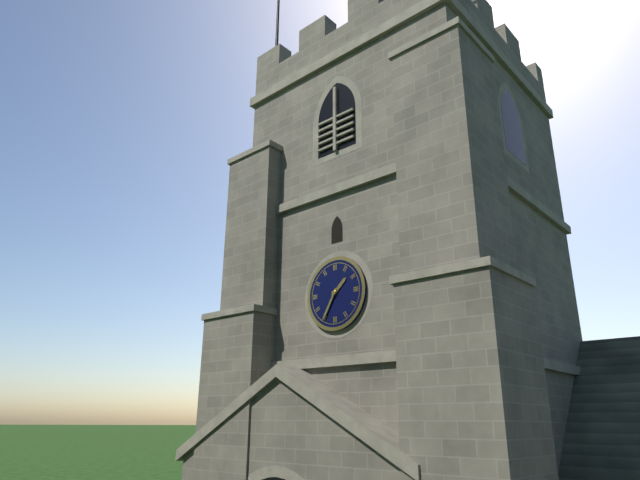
**1:35**
